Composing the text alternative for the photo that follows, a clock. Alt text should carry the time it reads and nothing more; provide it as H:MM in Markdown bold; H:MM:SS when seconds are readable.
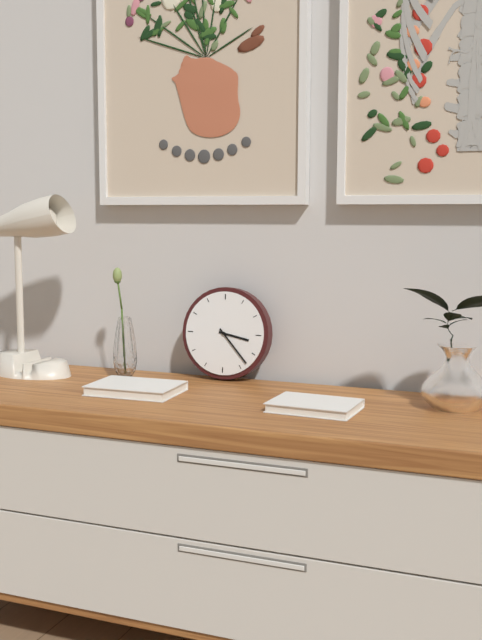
**3:23**
